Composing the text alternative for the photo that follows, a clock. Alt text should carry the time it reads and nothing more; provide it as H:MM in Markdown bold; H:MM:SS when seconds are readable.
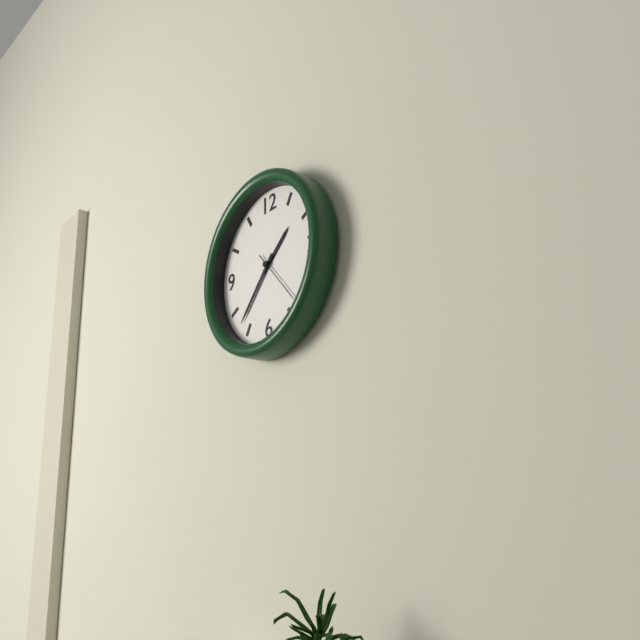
**1:37:23**
